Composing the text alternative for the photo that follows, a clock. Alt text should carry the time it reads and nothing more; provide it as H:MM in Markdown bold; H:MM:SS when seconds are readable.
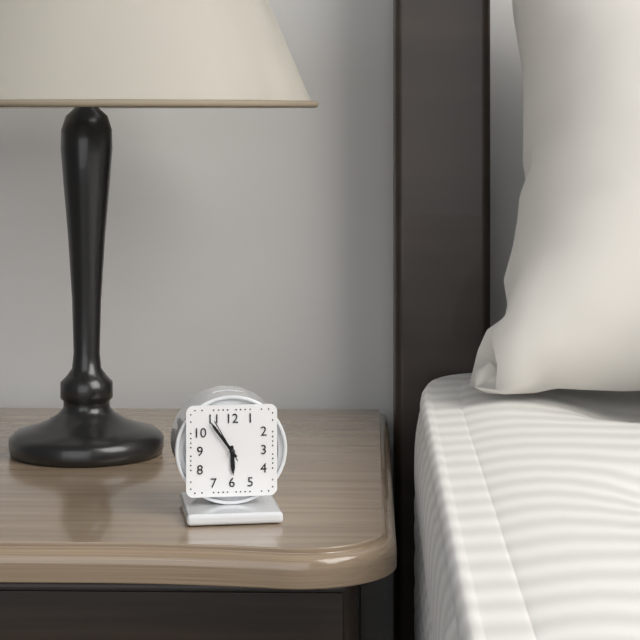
**5:54**
